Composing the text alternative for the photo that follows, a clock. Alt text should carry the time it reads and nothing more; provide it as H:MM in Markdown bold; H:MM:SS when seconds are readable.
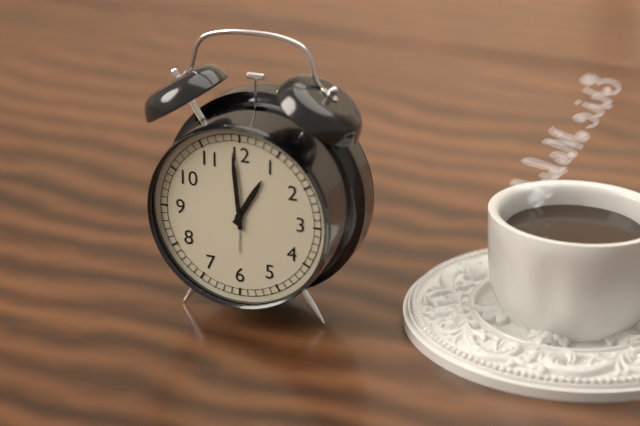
**12:59**
